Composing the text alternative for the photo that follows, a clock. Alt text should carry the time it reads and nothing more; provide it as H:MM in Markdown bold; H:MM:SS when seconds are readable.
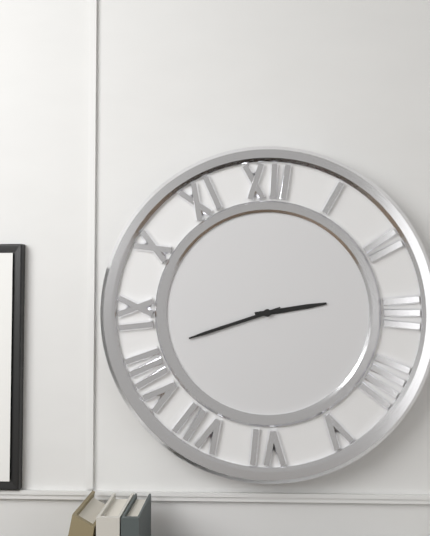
**2:42**
